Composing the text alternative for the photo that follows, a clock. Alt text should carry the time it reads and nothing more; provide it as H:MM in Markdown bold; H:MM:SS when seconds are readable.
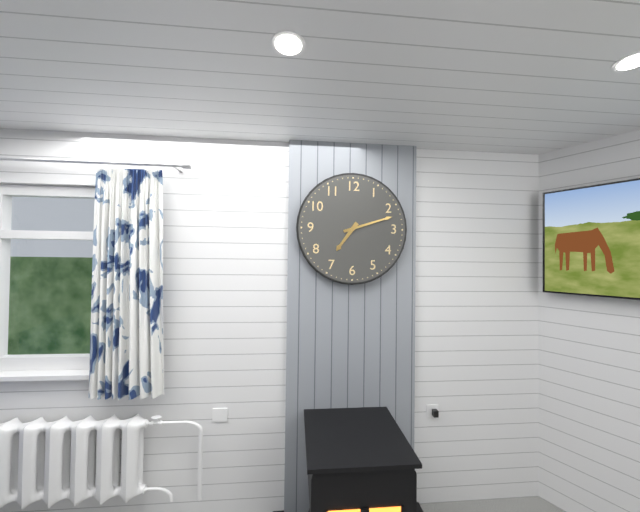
**7:12**
